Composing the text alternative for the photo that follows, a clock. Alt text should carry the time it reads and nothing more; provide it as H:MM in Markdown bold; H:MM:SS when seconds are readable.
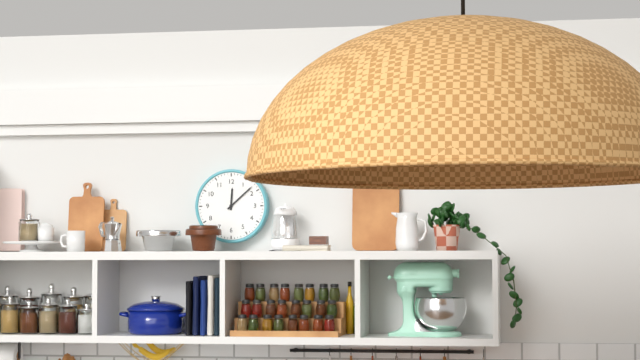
**12:08**
